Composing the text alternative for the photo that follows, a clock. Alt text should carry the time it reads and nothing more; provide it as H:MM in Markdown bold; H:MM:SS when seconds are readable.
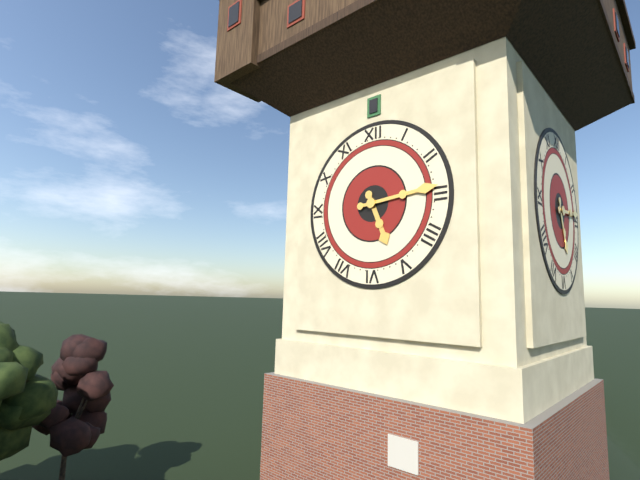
**5:14**
